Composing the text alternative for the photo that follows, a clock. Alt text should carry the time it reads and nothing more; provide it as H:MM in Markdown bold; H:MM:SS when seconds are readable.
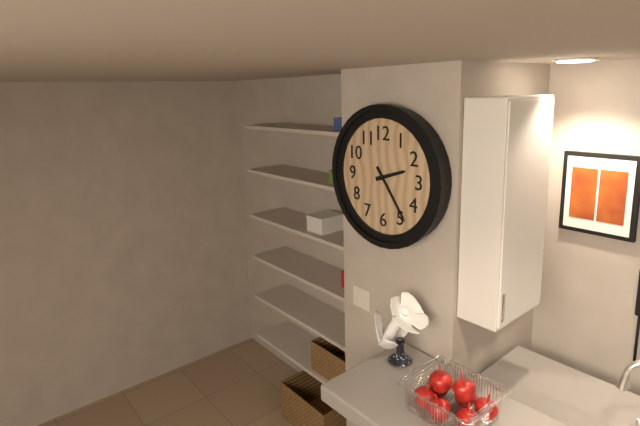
**2:24**
